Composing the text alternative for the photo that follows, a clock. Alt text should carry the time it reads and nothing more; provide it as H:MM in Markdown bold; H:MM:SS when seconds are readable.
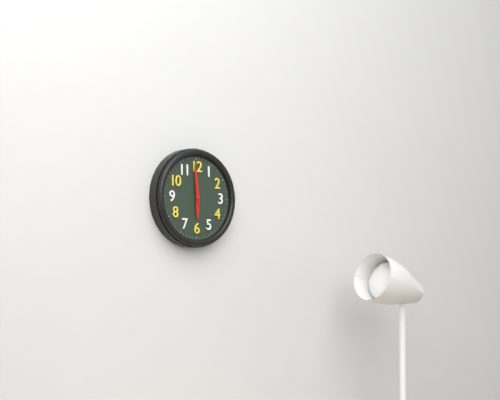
**5:59**
